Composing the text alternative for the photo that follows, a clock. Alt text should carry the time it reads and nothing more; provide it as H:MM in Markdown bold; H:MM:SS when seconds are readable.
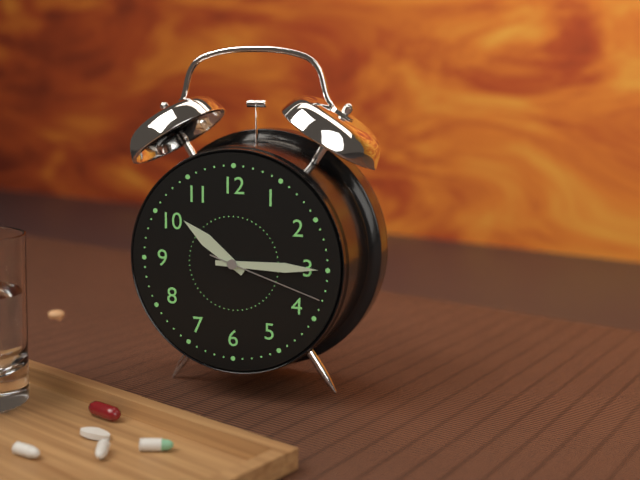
**10:15:18**
